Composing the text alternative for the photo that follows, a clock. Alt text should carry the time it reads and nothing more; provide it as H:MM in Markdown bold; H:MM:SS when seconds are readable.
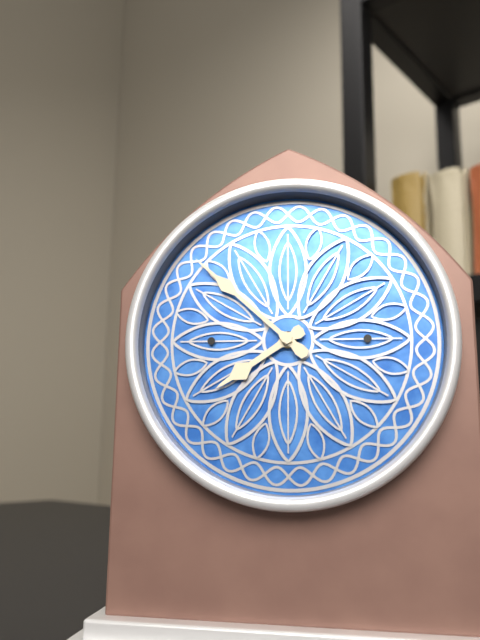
**7:52**
